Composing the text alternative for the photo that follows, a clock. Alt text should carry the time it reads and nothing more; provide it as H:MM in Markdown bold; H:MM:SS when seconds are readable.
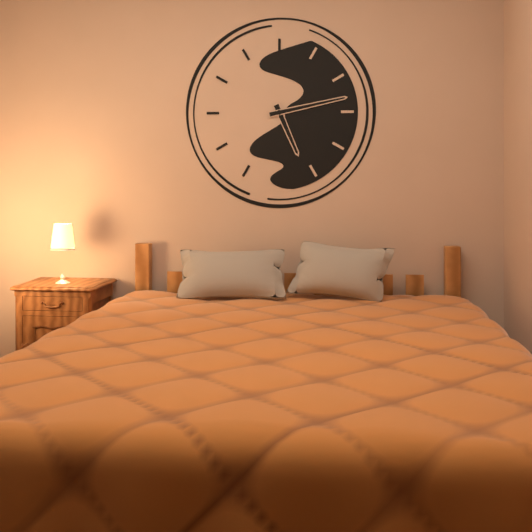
**5:13**
